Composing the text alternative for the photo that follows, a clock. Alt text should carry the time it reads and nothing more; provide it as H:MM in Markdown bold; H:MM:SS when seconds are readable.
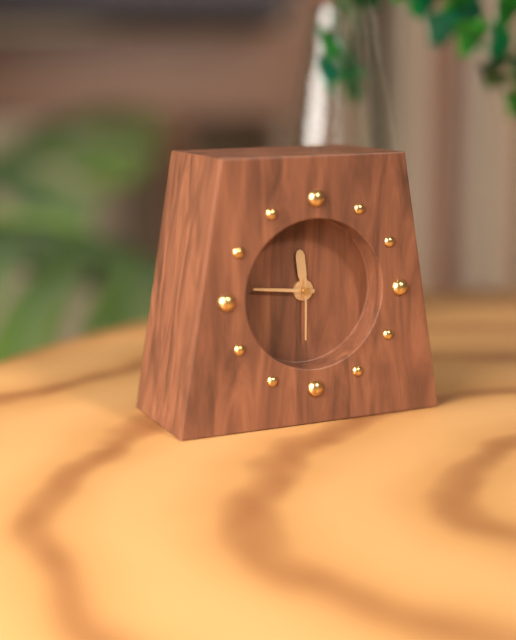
**11:46:30**
